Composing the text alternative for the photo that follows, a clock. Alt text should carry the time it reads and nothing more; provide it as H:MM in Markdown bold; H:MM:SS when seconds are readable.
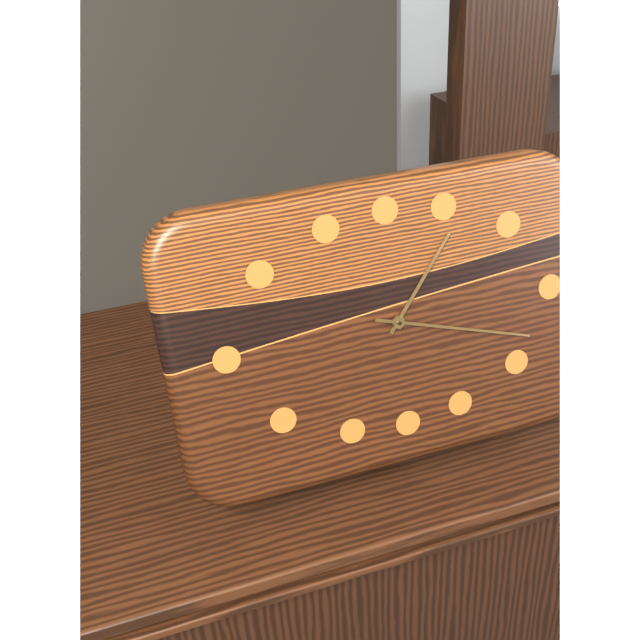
**1:18**
